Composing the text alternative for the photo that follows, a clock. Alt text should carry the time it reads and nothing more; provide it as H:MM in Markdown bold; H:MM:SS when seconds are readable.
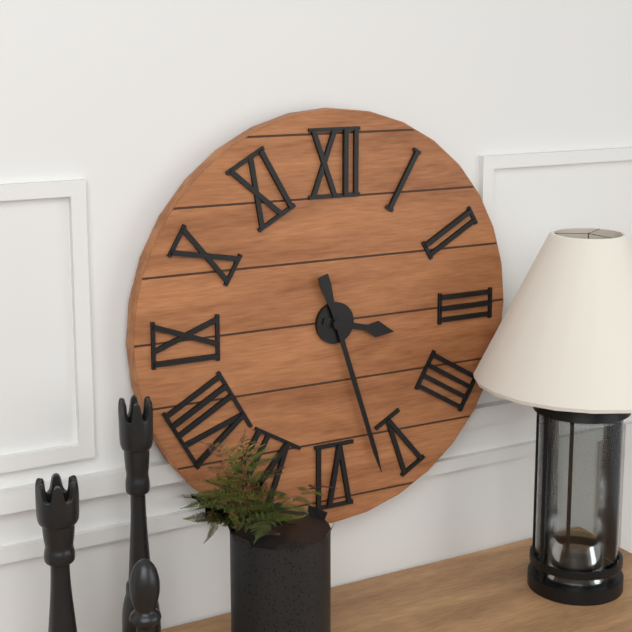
**3:27**
